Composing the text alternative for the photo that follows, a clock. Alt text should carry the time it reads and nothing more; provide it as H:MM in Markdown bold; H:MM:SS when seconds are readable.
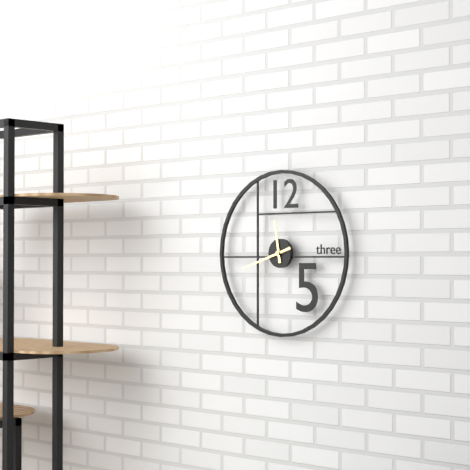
**11:42**
